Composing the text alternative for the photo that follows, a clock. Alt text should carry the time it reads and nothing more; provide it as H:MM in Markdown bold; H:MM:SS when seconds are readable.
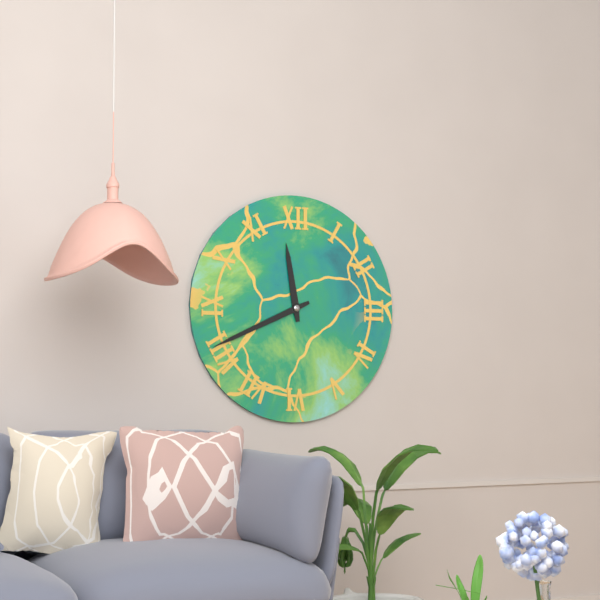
**11:41**
